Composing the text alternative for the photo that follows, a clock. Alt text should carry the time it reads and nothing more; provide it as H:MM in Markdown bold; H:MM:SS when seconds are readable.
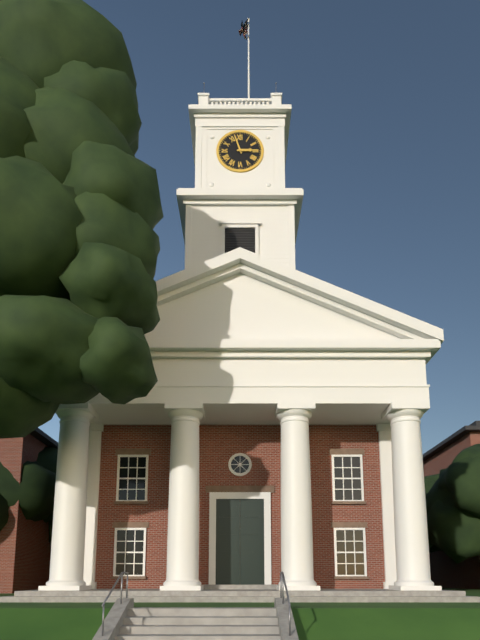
**2:57**
